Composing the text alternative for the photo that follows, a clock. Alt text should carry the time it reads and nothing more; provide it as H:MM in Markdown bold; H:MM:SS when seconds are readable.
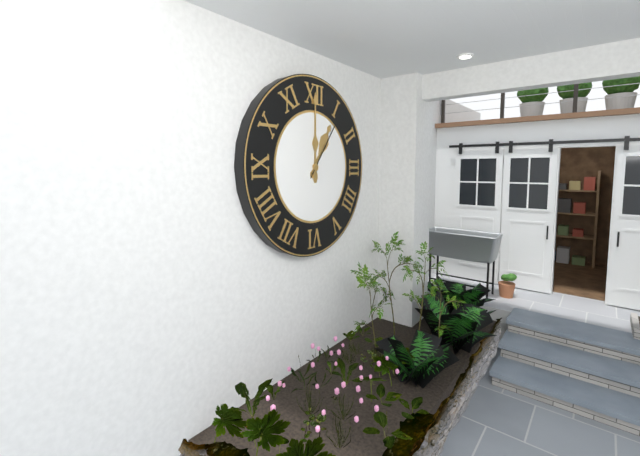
**1:00:06**
